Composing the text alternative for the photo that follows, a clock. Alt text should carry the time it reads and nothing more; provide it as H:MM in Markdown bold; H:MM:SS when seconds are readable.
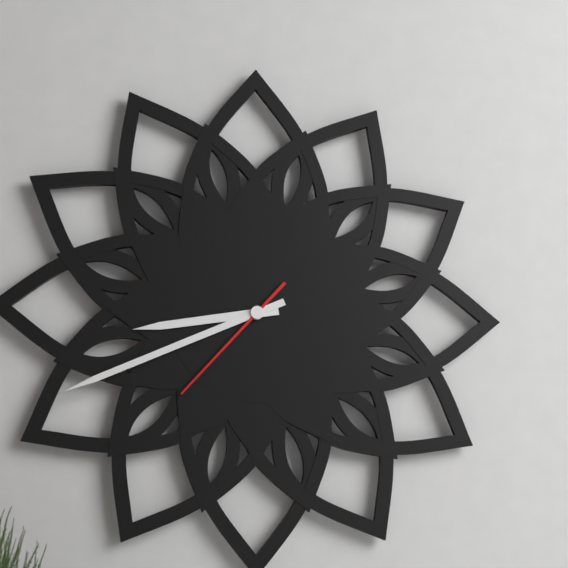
**8:41:37**
